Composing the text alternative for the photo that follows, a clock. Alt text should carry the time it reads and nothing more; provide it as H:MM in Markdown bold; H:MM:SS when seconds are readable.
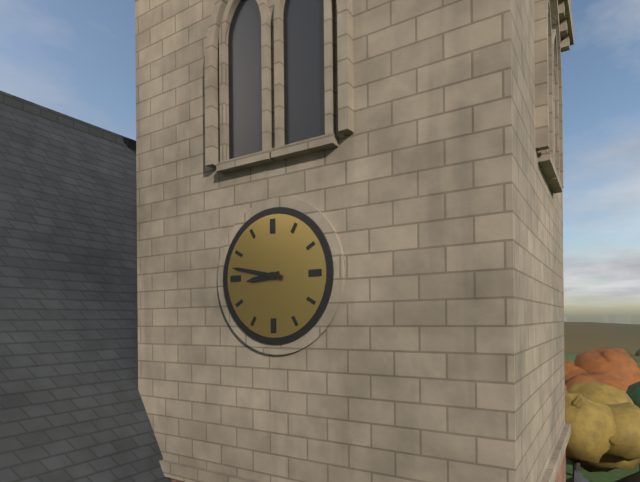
**8:47**
